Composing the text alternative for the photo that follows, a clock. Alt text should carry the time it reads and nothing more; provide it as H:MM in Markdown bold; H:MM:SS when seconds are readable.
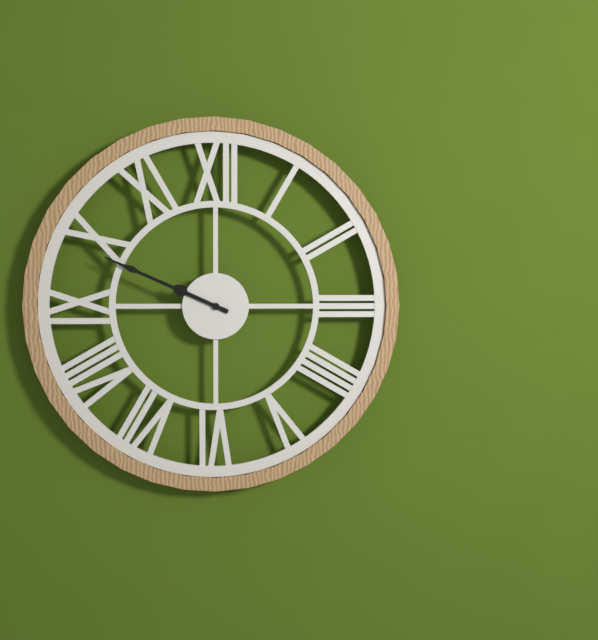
**9:49**
